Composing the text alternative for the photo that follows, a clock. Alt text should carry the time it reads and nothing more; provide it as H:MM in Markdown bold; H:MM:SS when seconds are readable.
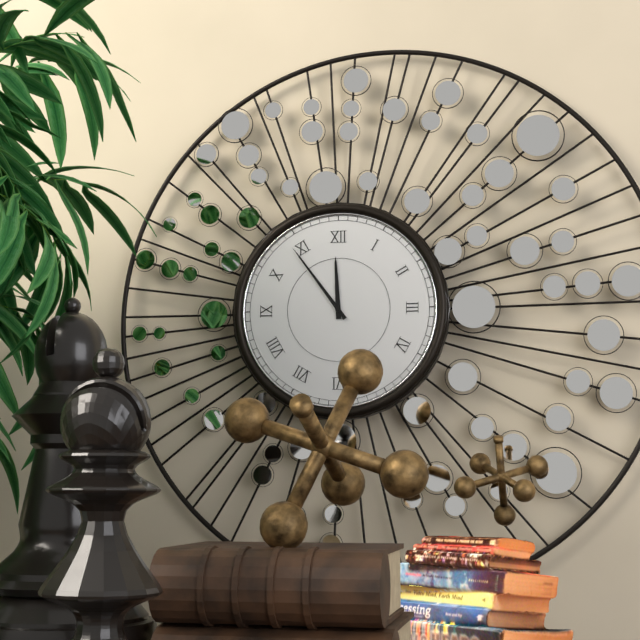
**11:54**
